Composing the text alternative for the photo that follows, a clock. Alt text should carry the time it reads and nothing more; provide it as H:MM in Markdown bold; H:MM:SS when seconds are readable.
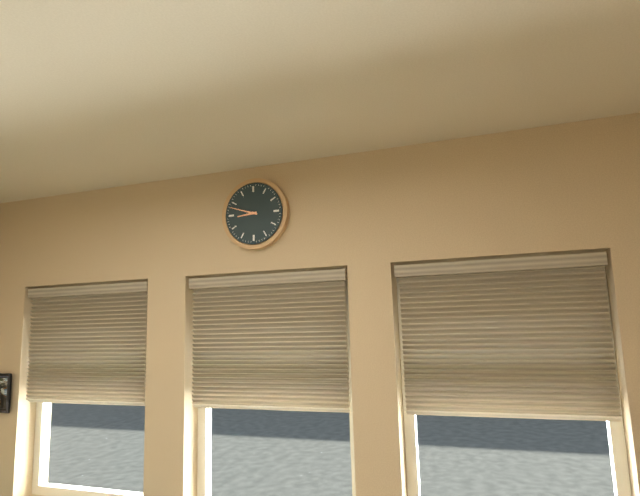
**8:48**
